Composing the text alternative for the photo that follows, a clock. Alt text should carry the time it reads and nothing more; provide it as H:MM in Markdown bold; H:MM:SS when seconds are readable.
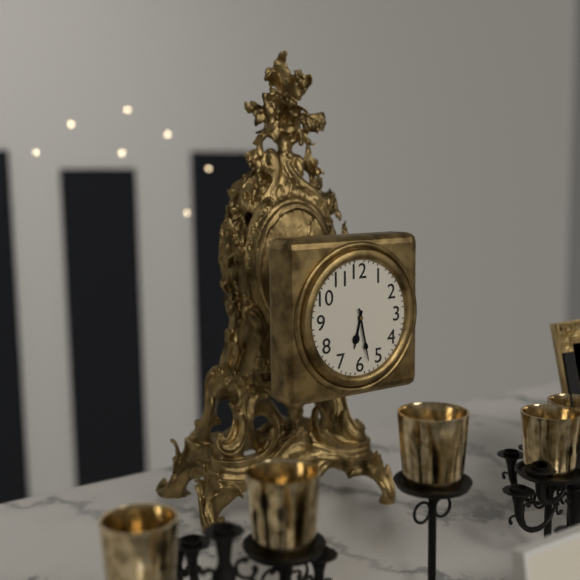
**6:28**
